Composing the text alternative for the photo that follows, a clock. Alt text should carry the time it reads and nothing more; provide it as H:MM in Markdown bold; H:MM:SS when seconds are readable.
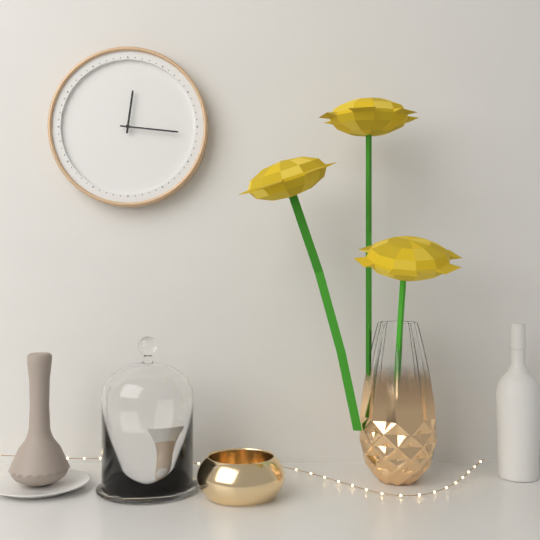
**12:16**
